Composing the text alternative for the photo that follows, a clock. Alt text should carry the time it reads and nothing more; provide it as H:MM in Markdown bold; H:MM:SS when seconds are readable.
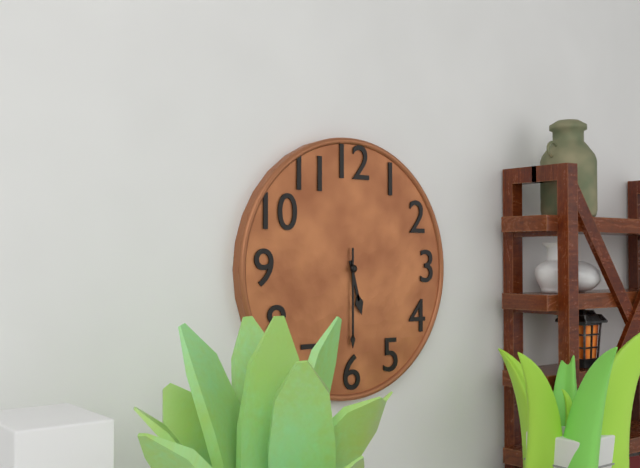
**5:30**
